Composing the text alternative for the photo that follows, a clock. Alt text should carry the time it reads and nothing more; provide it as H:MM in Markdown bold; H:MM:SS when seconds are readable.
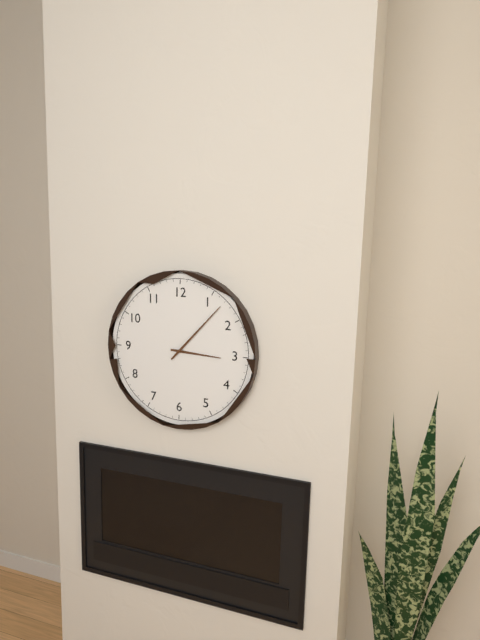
**3:07**
